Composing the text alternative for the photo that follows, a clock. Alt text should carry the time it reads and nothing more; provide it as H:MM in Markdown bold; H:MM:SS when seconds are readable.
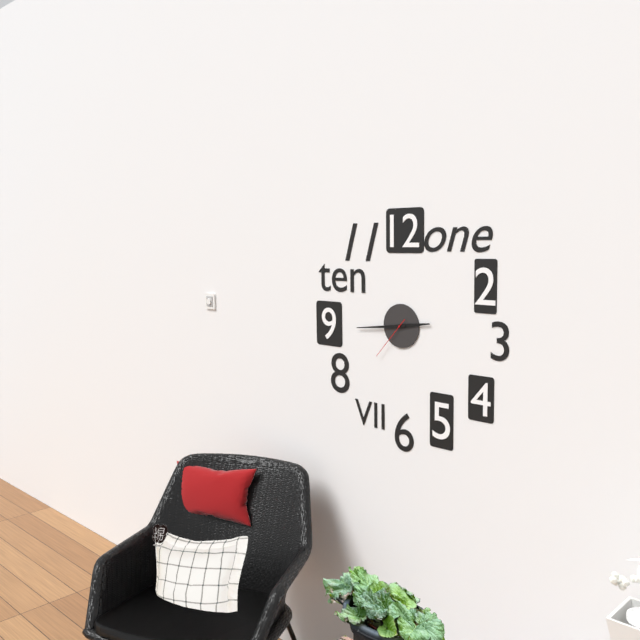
**2:44**
